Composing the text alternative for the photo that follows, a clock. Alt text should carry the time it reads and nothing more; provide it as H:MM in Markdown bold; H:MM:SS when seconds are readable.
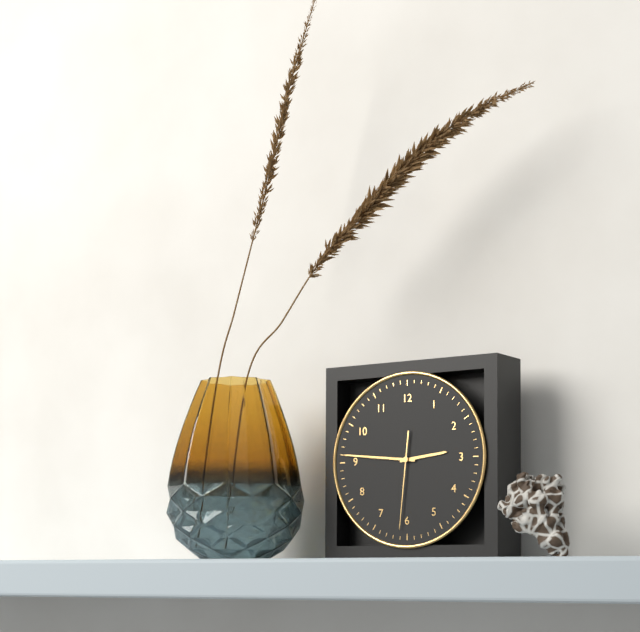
**2:46:31**
